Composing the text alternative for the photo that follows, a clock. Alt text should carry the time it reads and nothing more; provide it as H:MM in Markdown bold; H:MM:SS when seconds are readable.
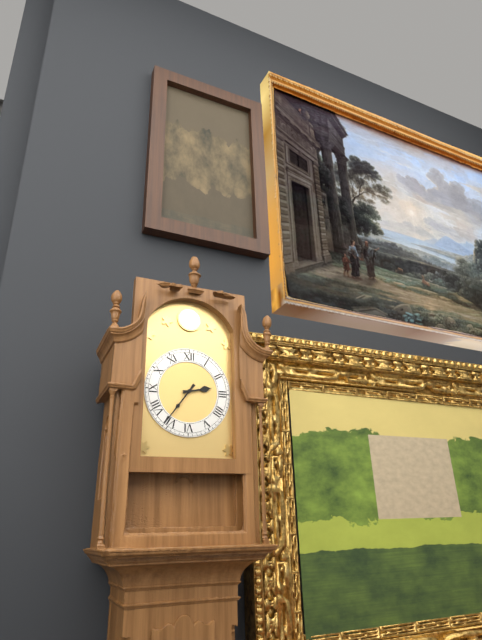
**2:36**
